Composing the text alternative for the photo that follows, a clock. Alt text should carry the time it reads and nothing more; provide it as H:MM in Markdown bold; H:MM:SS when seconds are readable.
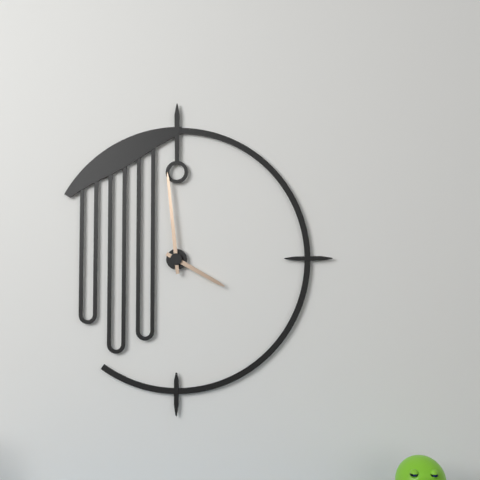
**3:59**
